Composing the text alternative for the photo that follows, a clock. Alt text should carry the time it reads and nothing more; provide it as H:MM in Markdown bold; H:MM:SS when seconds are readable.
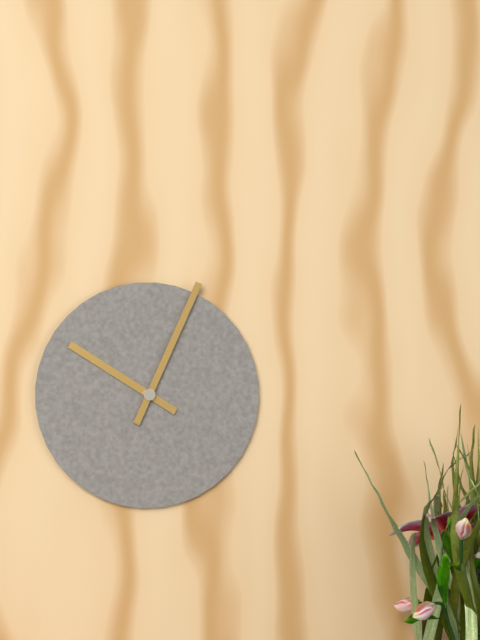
**10:04**
